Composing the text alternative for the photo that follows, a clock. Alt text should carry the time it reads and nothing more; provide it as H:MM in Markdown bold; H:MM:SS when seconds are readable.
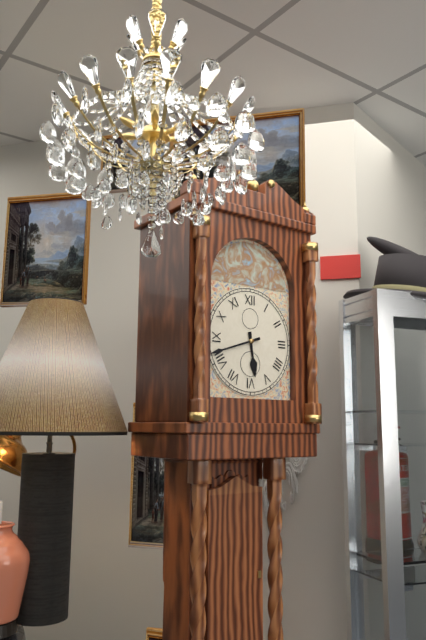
**5:42**
